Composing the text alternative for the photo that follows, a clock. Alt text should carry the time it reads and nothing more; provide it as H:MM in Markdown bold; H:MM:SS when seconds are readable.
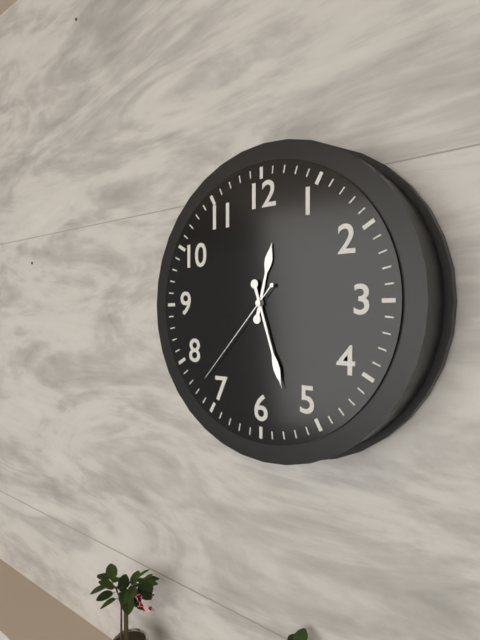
**12:27:37**
